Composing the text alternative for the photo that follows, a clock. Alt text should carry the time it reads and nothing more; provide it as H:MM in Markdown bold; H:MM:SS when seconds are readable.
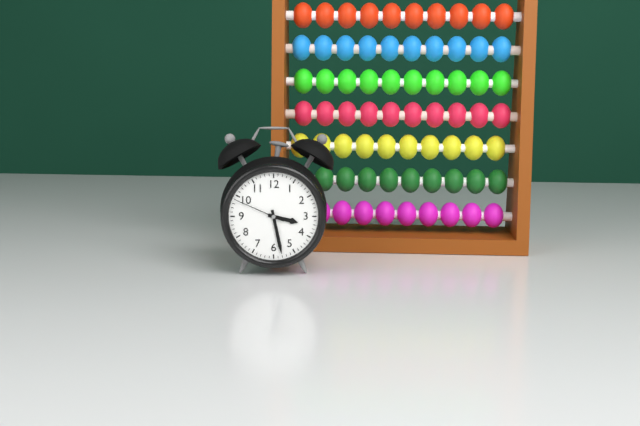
**3:28:49**
